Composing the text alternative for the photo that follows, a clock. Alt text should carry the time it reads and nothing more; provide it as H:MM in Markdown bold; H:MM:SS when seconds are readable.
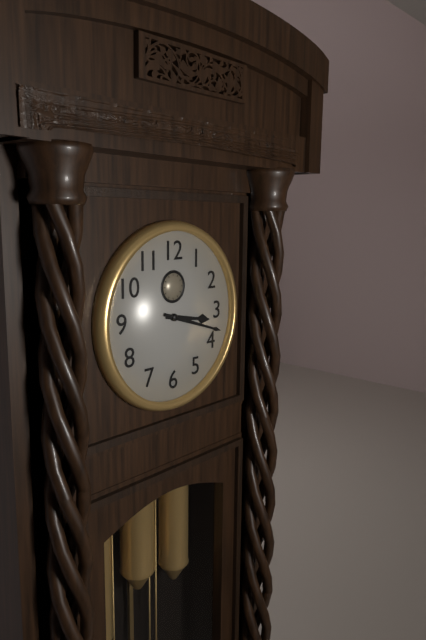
**3:18**
